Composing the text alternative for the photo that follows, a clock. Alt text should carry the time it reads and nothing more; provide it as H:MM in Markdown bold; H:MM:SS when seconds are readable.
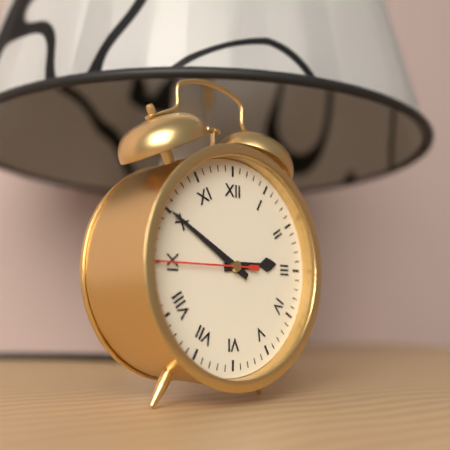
**2:50:45**
